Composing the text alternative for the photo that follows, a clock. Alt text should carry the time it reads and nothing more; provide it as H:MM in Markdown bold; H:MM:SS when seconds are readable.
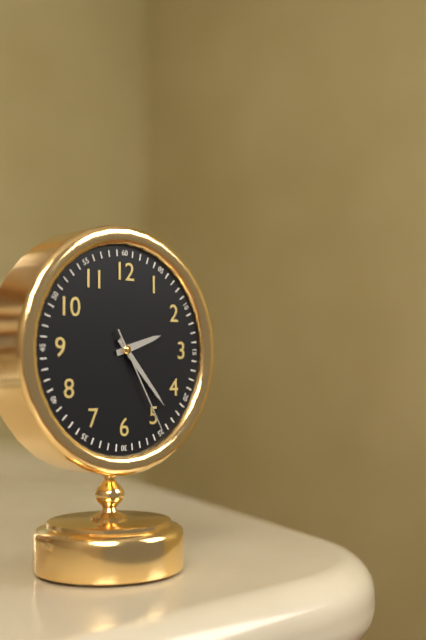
**2:23:25**
